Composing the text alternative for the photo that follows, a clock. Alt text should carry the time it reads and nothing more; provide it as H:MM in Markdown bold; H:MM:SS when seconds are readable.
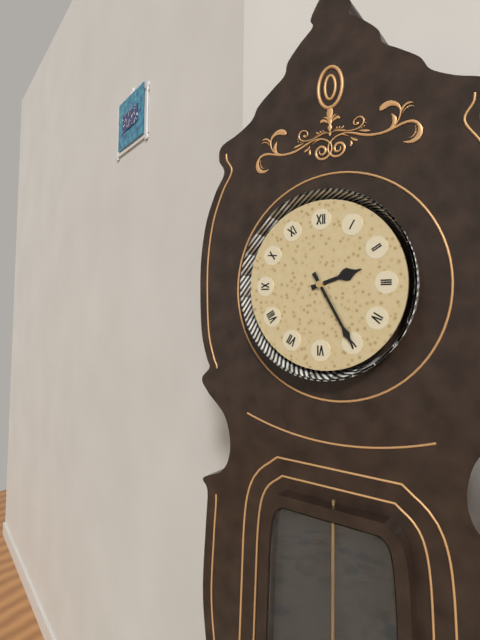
**2:25**
